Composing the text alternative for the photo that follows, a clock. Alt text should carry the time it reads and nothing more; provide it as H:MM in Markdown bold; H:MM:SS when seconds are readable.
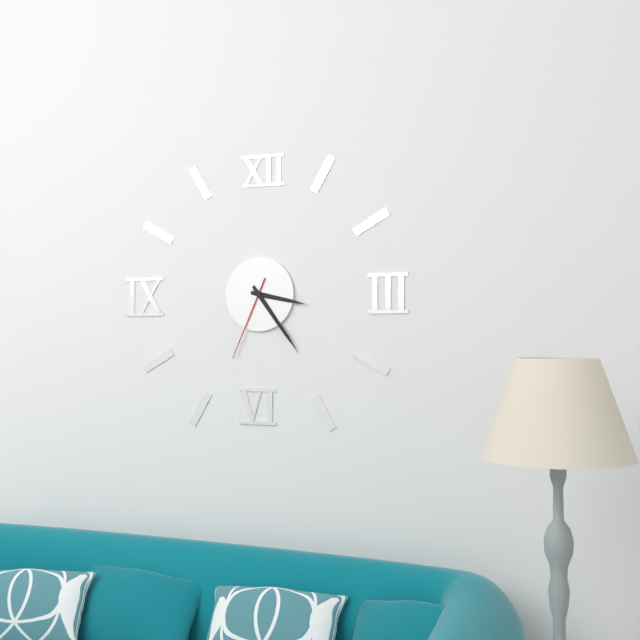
**3:24:34**
